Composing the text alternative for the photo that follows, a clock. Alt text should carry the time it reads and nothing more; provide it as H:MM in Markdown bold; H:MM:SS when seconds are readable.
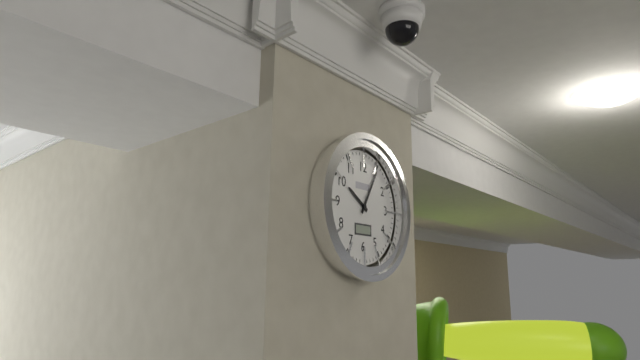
**10:05**
